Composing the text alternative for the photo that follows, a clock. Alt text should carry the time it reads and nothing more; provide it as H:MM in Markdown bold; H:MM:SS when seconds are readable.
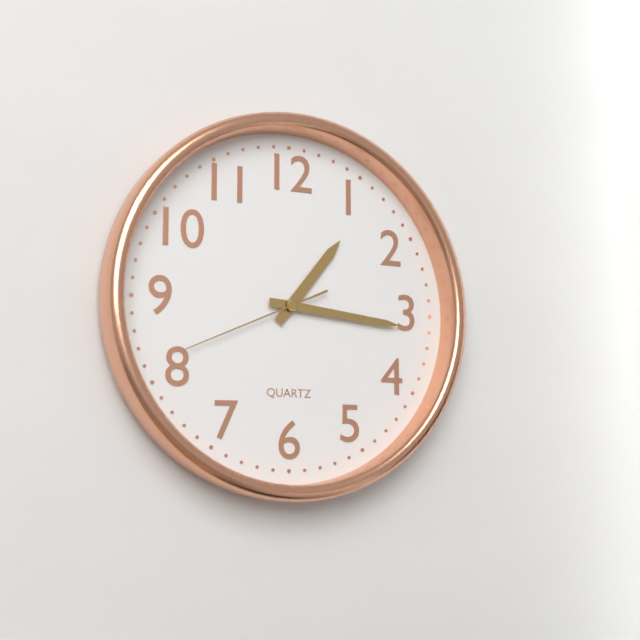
**1:16:41**
